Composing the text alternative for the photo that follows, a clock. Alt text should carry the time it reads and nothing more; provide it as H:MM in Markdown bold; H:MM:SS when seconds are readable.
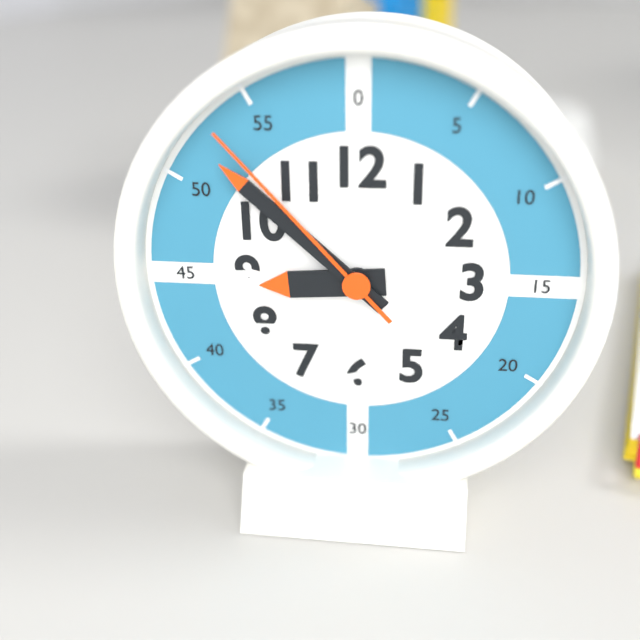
**8:52:53**
